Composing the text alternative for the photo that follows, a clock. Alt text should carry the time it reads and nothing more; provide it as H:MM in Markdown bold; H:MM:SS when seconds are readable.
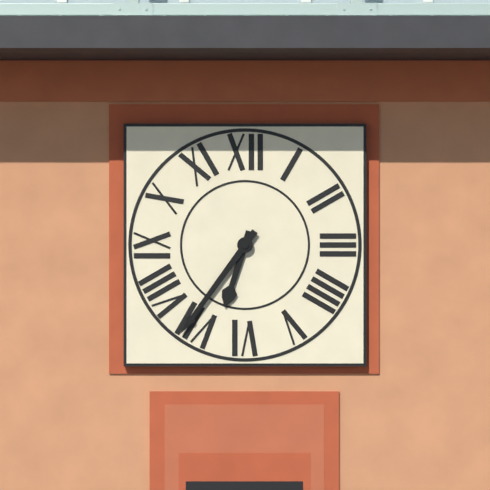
**6:36**
